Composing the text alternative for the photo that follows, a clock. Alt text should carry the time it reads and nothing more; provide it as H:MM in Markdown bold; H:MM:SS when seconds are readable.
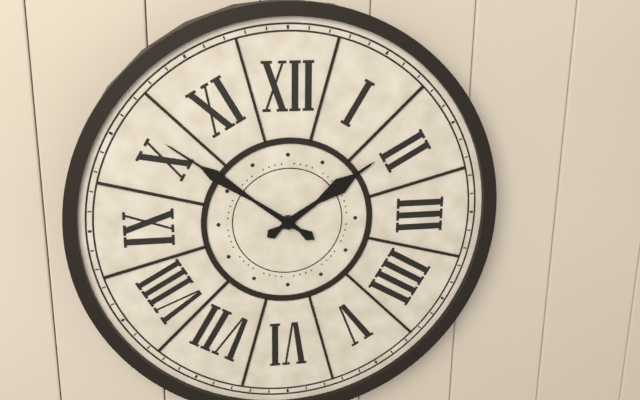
**1:51**
